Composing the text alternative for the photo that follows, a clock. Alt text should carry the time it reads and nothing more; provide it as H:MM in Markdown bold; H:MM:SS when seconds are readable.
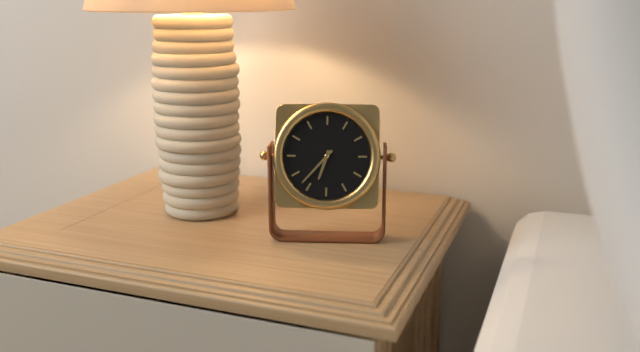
**6:37**
